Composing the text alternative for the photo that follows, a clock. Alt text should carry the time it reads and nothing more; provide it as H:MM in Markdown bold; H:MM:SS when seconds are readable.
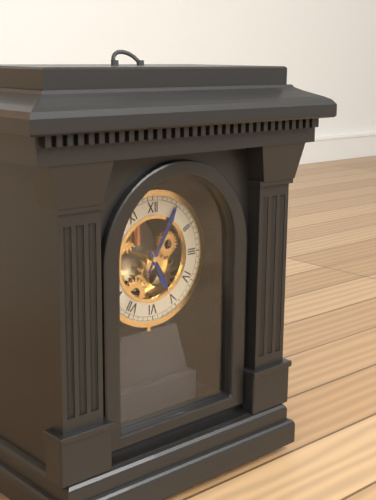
**5:05**
